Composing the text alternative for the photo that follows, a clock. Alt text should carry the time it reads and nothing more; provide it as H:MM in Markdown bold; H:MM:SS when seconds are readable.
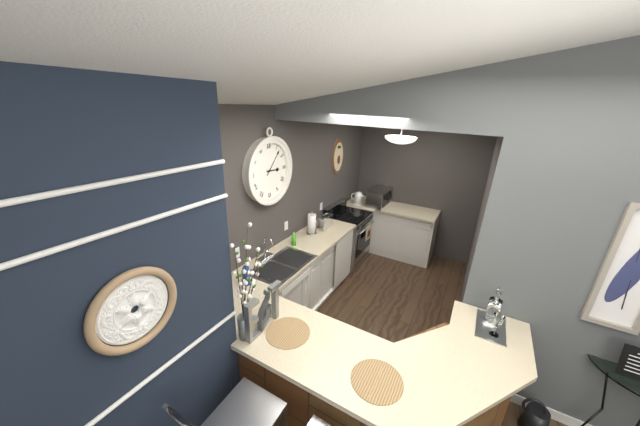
**3:07**
